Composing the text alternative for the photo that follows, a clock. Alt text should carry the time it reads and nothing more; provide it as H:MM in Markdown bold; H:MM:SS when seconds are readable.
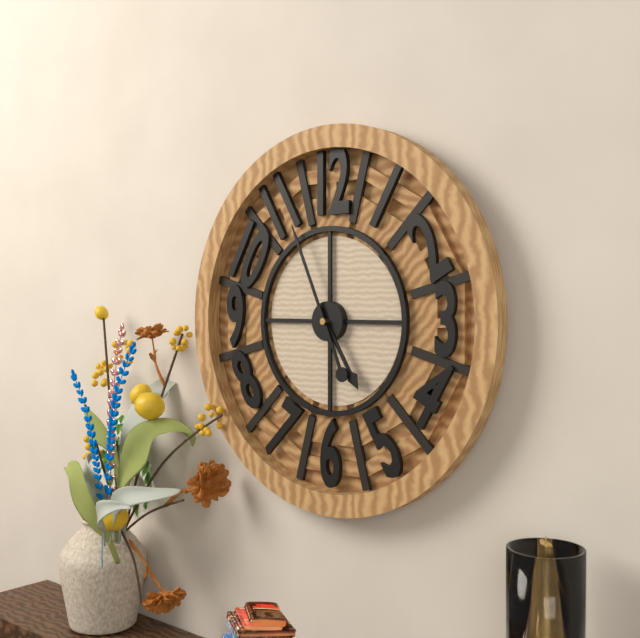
**4:56**
